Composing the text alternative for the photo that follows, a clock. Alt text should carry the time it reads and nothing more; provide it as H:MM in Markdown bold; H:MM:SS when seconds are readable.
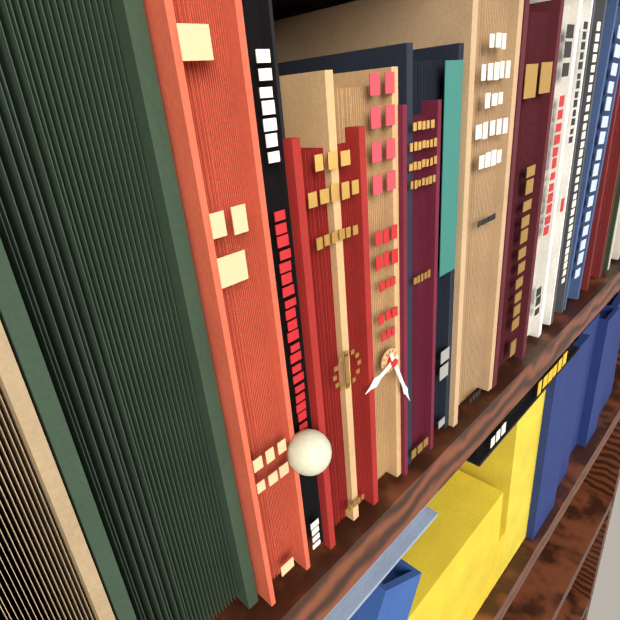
**8:26**
